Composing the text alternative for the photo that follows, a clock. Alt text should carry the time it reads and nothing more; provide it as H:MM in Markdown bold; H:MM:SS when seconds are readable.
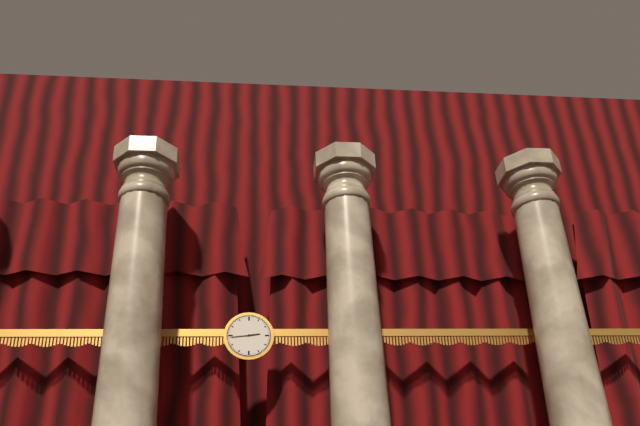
**2:44**
